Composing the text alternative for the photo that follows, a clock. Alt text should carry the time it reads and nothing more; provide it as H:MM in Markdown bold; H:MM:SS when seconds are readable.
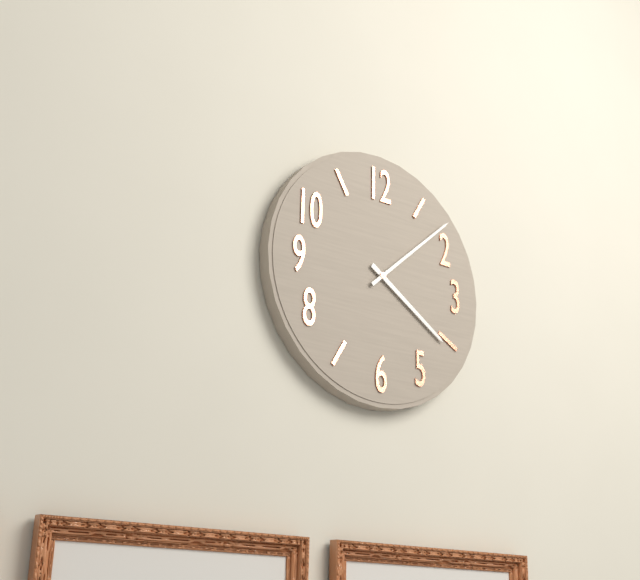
**4:08**
